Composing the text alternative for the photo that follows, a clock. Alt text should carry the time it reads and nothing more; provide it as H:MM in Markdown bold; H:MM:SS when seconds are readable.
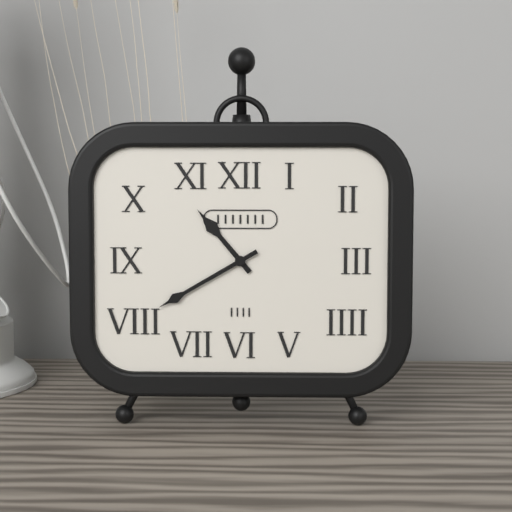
**10:40**
